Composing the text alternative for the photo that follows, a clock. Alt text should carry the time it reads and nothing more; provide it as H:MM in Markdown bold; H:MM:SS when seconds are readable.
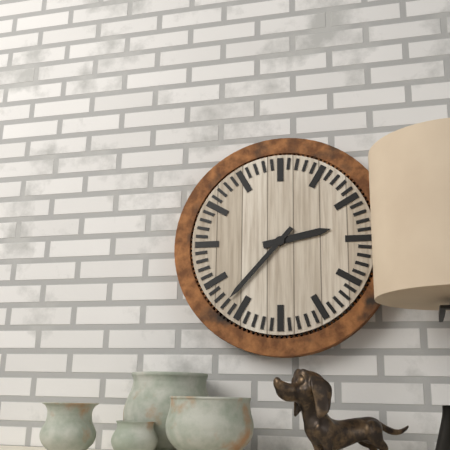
**2:37**
